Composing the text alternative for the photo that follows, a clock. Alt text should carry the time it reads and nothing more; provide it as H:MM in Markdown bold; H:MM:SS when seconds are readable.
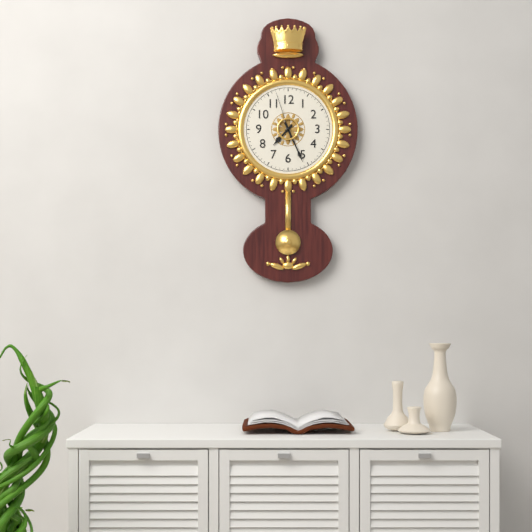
**7:26**
